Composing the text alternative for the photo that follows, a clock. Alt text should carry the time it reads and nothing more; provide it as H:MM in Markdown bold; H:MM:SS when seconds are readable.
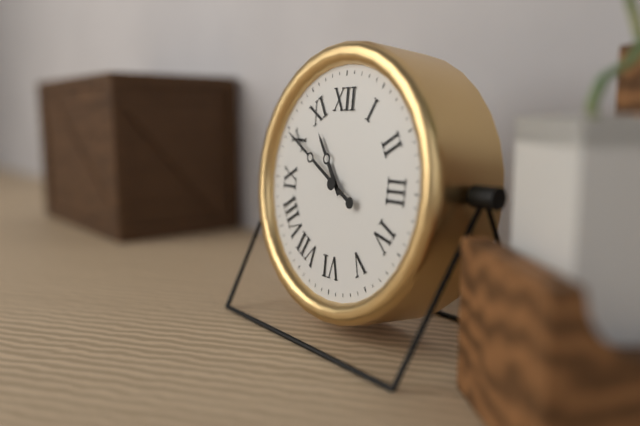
**10:50**
